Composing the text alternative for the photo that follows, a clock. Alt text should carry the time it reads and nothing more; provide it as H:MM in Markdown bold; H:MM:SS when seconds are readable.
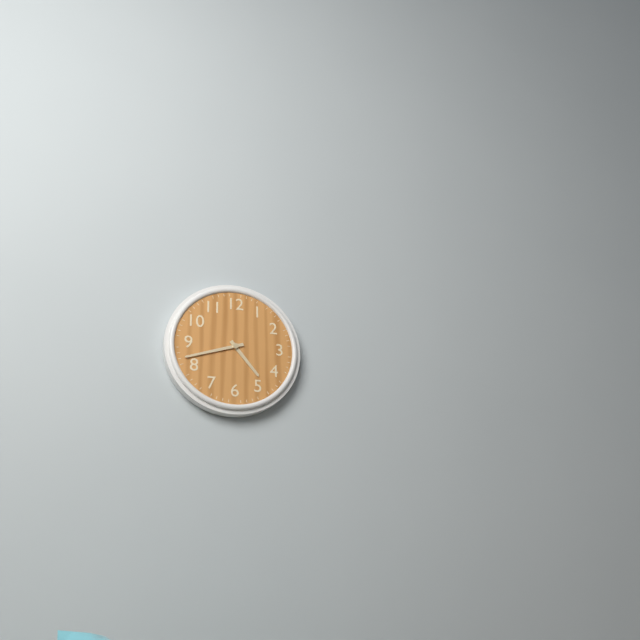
**4:42**
